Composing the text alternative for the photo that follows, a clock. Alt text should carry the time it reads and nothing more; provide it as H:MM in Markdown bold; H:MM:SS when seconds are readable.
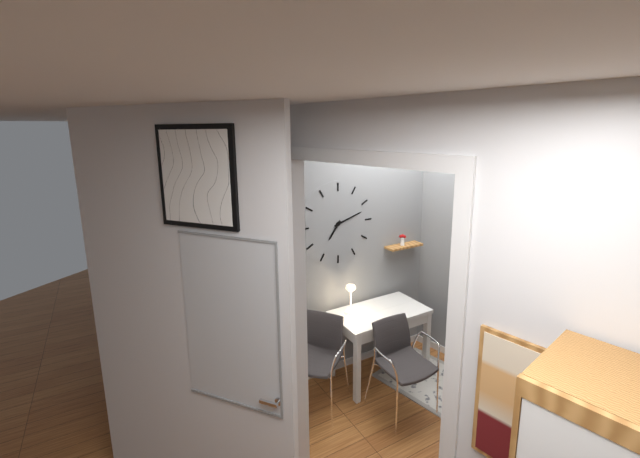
**7:12**
